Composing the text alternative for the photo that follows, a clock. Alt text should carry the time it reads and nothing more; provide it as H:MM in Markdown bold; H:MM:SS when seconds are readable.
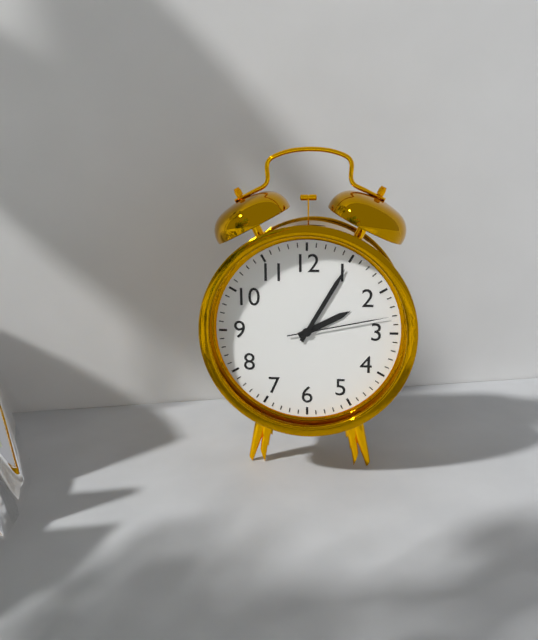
**2:05:13**
